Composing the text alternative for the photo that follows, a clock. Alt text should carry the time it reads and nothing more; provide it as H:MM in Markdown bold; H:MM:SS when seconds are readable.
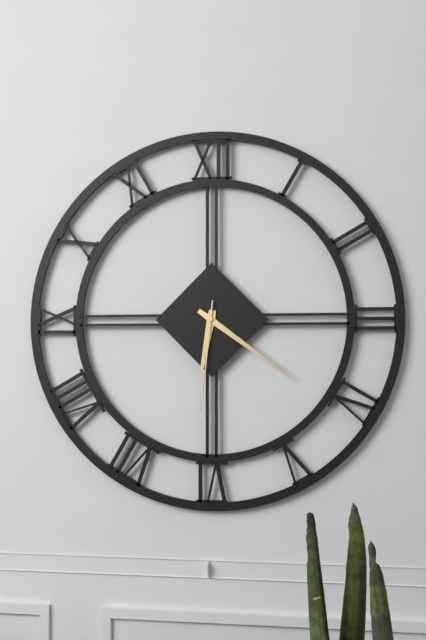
**6:21:31**
